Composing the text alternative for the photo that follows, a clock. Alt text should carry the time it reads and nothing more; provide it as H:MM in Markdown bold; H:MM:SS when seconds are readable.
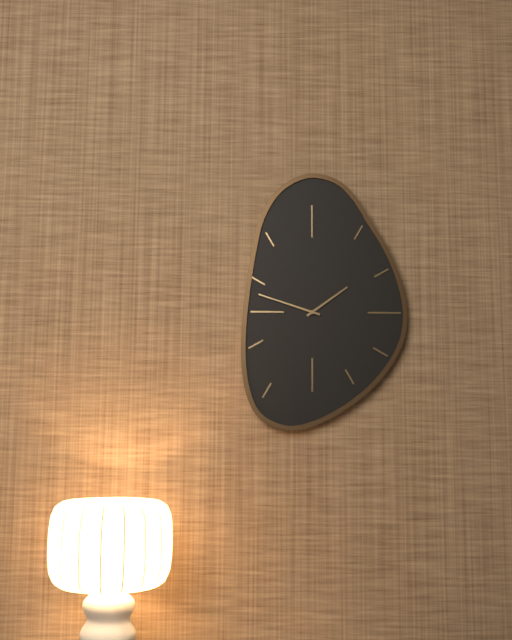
**1:48**
